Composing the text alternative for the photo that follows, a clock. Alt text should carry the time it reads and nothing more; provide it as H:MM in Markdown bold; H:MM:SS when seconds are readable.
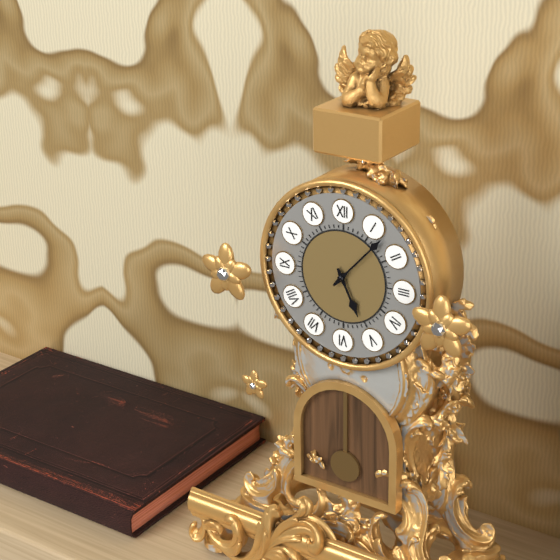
**5:07**
